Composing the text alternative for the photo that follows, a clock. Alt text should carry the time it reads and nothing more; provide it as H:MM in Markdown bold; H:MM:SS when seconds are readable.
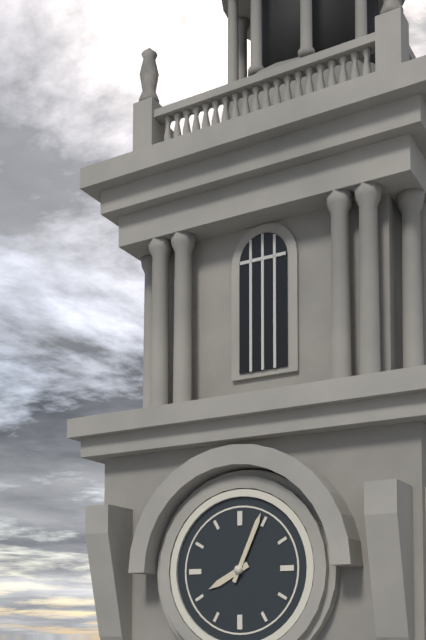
**8:04**
